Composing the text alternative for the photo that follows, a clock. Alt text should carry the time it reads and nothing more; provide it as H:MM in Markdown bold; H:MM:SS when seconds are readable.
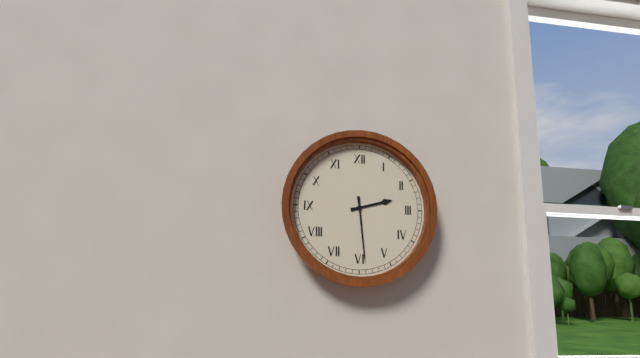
**2:29**
